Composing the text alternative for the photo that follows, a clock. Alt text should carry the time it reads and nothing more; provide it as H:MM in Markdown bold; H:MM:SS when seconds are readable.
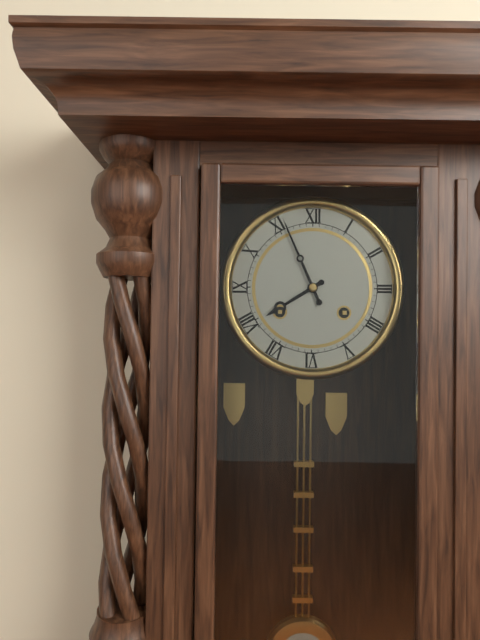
**7:56**
